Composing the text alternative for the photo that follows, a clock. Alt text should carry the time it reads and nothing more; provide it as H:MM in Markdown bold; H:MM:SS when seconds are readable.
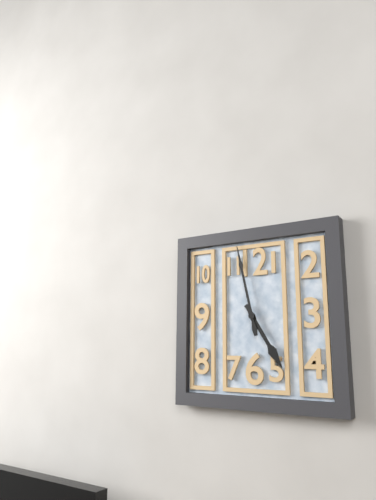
**4:58**
